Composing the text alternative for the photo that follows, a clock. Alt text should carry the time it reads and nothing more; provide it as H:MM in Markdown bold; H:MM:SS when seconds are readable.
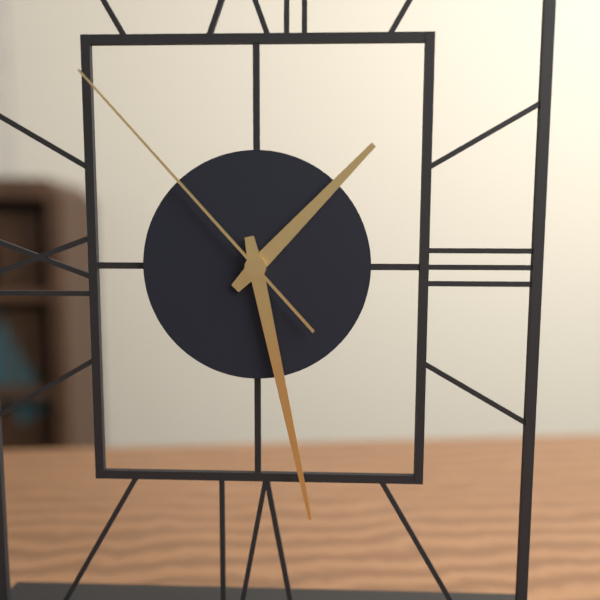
**1:28:53**
